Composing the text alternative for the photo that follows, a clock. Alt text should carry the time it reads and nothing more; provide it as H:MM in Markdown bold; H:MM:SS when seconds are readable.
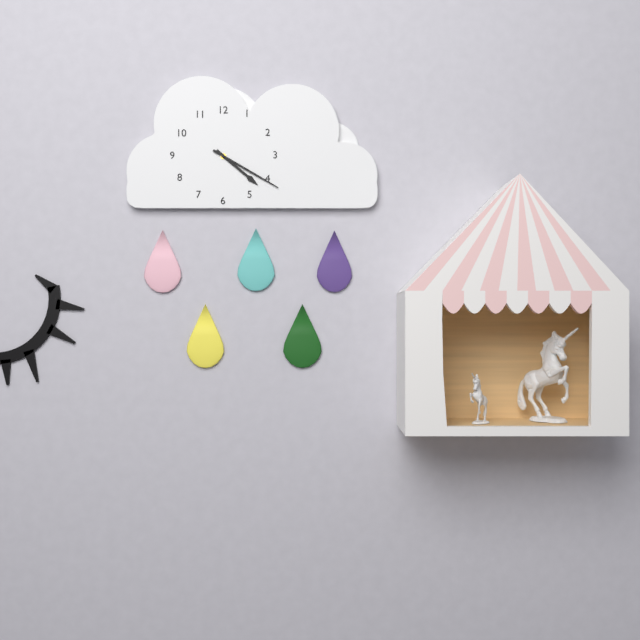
**4:20**
